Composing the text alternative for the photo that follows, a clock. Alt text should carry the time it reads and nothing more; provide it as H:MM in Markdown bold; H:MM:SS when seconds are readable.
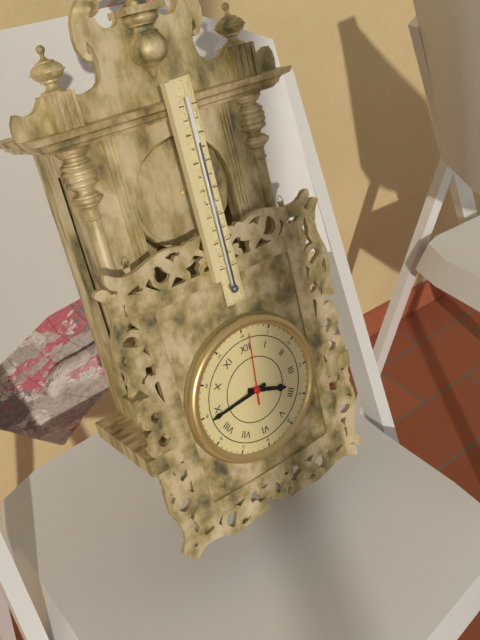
**3:44:01**
